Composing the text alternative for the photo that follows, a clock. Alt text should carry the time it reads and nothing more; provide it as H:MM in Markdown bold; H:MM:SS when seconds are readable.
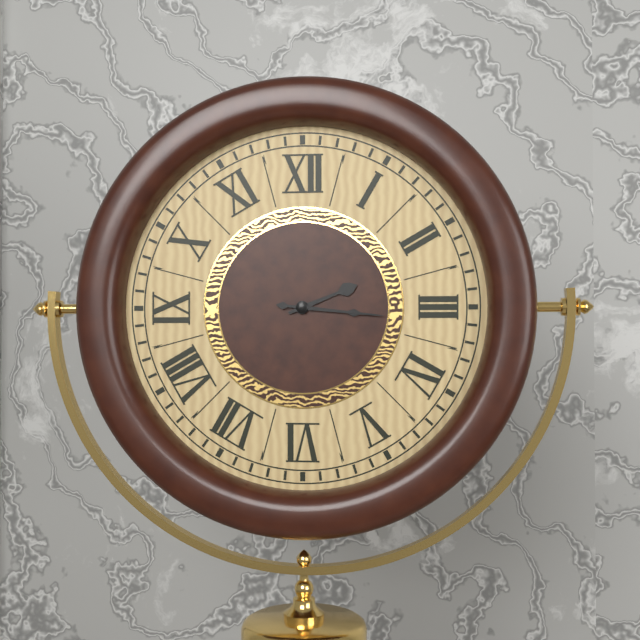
**2:16**
